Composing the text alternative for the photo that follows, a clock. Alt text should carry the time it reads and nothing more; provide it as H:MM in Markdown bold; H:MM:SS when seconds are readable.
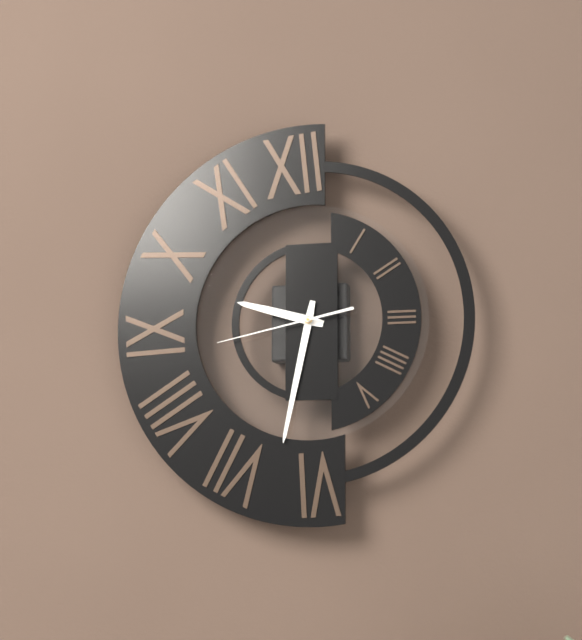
**9:32:43**
